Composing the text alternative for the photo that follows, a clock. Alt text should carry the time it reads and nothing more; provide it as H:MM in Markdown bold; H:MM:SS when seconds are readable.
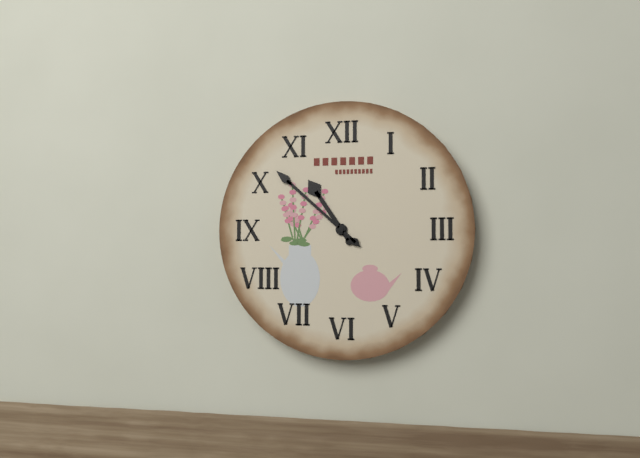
**10:52**
